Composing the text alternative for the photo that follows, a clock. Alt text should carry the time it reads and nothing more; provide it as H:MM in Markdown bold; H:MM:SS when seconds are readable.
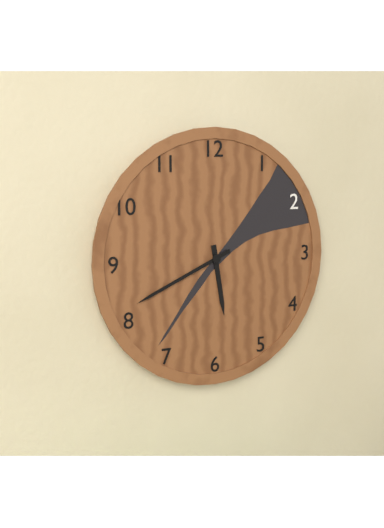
**5:41**
